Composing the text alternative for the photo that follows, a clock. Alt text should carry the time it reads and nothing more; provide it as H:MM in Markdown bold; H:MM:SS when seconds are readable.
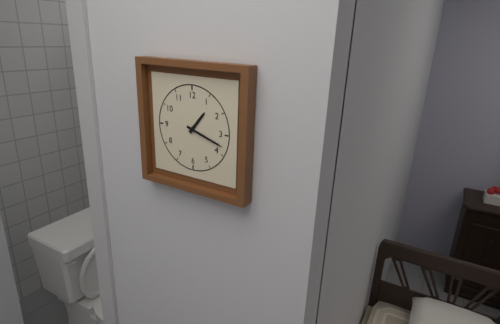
**1:18**
